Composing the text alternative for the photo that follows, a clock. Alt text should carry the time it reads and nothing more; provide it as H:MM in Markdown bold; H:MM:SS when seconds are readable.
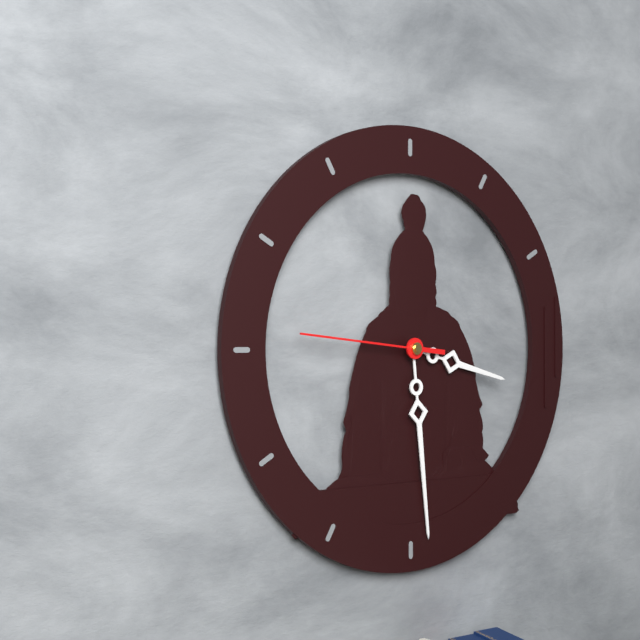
**3:29:46**
